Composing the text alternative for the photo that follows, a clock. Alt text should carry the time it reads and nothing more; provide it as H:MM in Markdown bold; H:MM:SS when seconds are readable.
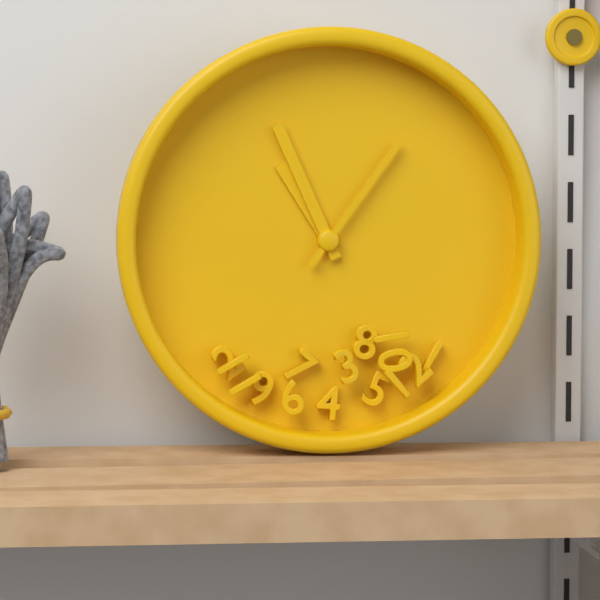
**10:56:06**
